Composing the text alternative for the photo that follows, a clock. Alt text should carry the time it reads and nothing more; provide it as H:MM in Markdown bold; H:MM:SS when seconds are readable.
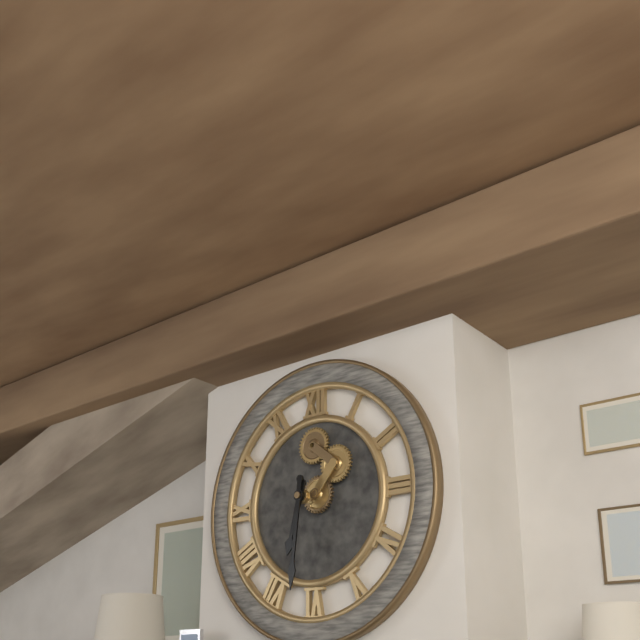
**6:31**
